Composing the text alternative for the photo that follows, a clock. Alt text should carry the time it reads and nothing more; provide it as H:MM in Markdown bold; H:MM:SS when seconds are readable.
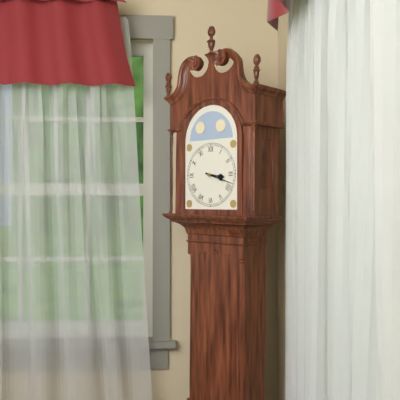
**3:18**
